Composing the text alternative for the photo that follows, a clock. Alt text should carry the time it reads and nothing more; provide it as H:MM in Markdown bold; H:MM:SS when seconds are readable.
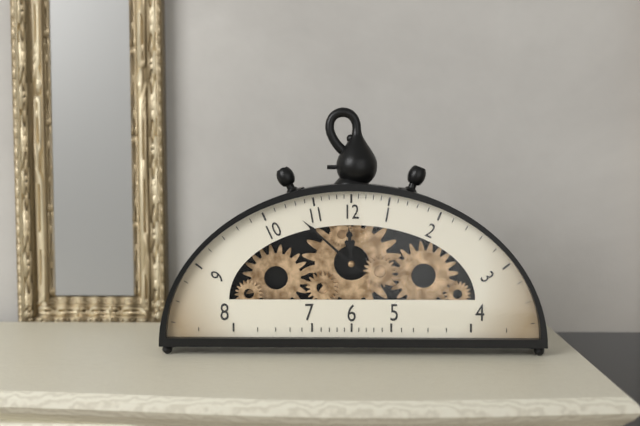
**11:52**
